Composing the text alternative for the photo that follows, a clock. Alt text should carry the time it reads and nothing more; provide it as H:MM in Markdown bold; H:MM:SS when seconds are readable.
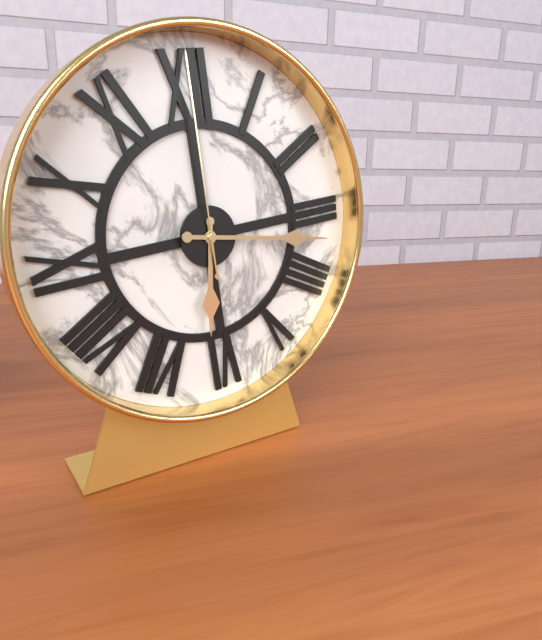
**6:17:00**
